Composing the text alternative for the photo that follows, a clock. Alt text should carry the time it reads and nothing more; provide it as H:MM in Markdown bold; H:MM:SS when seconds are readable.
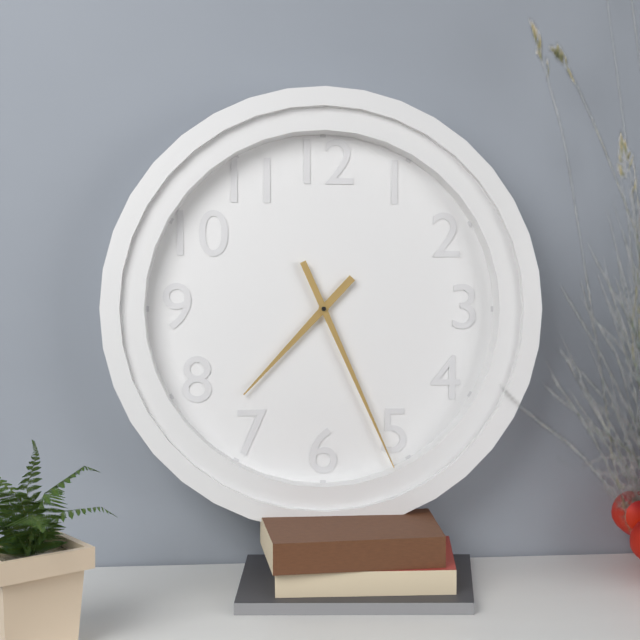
**7:26**
